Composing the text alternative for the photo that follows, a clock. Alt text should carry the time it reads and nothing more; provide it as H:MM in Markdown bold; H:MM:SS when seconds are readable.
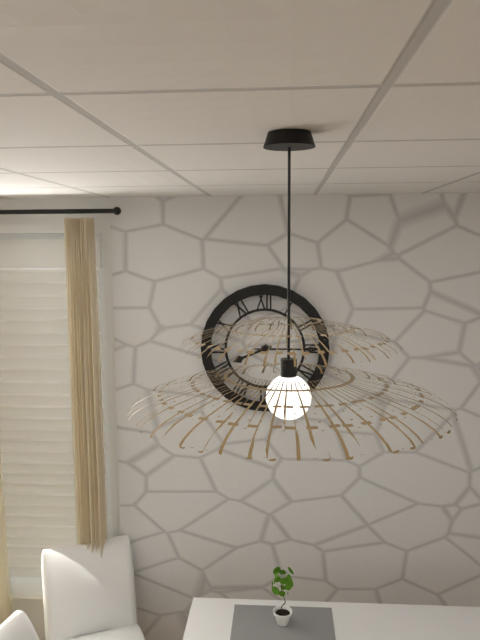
**8:15**
